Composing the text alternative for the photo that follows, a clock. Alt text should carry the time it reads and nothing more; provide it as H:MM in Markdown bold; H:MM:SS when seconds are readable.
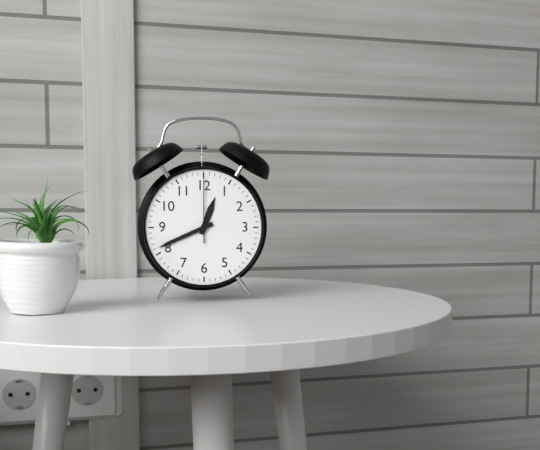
**12:41:00**
